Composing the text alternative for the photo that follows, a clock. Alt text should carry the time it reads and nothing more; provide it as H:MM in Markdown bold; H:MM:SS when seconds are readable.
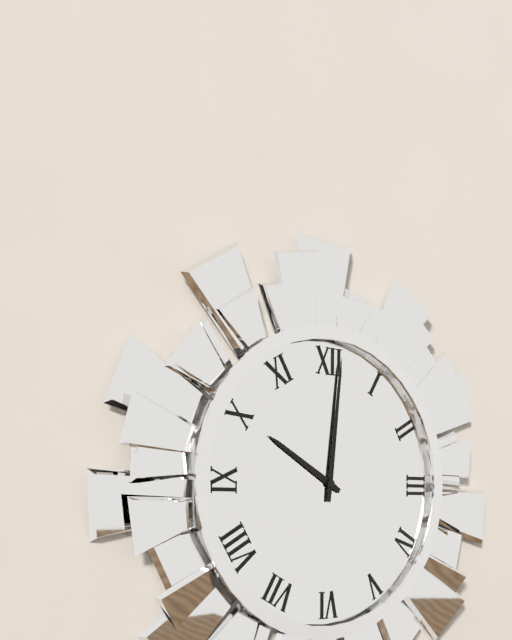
**10:01**
